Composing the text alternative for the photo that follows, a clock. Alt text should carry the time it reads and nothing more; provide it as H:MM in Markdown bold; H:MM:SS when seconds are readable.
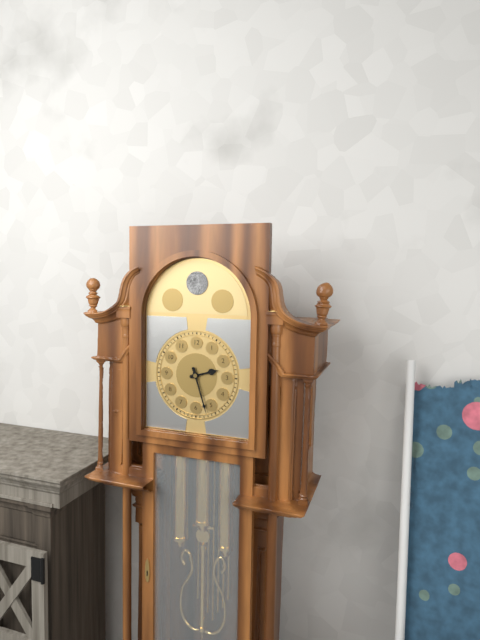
**2:27**
